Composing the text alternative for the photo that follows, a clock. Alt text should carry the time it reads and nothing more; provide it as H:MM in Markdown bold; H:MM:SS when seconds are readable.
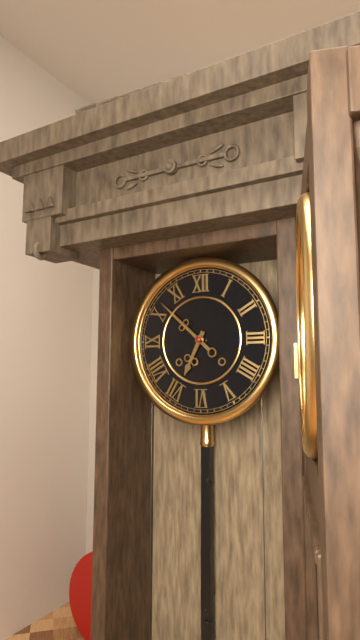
**6:52**
